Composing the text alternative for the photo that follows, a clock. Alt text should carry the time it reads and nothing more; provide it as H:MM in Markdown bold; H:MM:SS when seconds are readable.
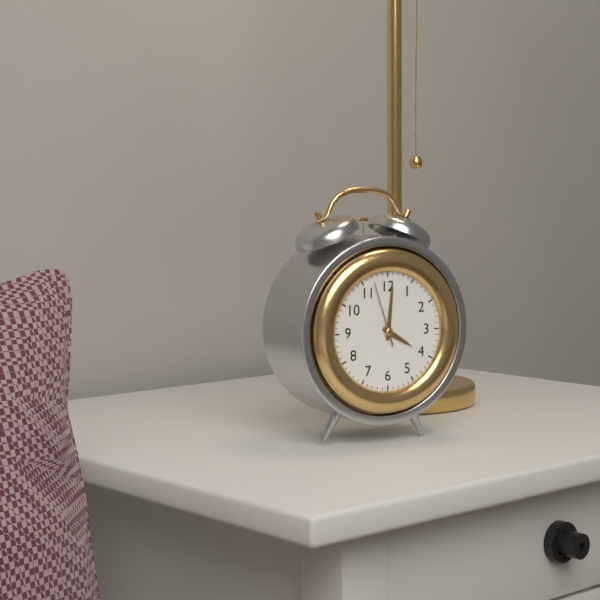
**4:01:57**
